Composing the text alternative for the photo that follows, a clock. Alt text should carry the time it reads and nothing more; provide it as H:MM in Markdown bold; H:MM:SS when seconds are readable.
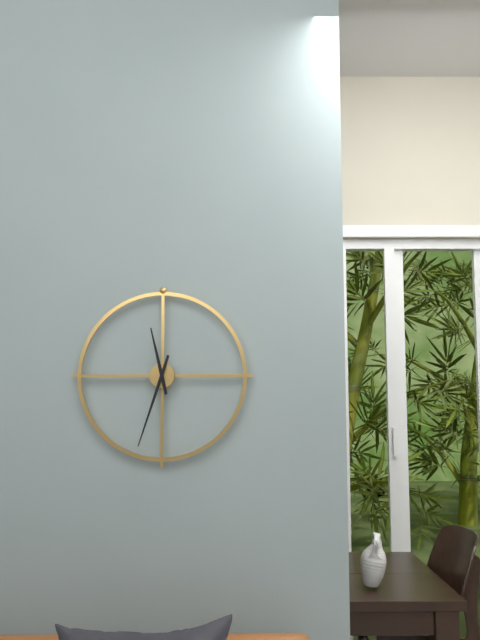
**11:33**
